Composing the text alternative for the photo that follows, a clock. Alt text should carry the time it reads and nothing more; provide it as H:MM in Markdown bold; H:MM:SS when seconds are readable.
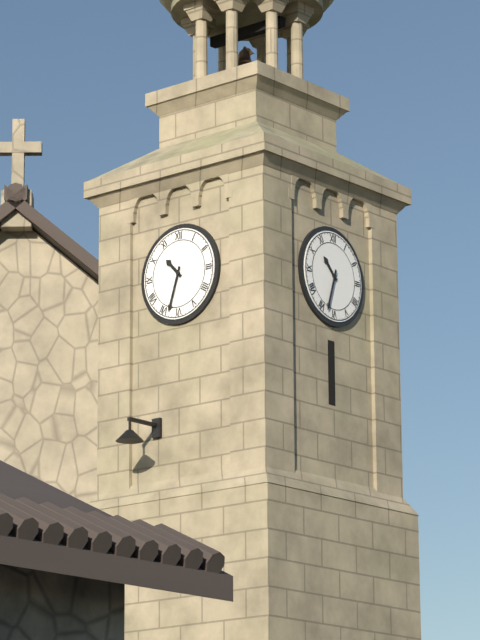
**10:33**
